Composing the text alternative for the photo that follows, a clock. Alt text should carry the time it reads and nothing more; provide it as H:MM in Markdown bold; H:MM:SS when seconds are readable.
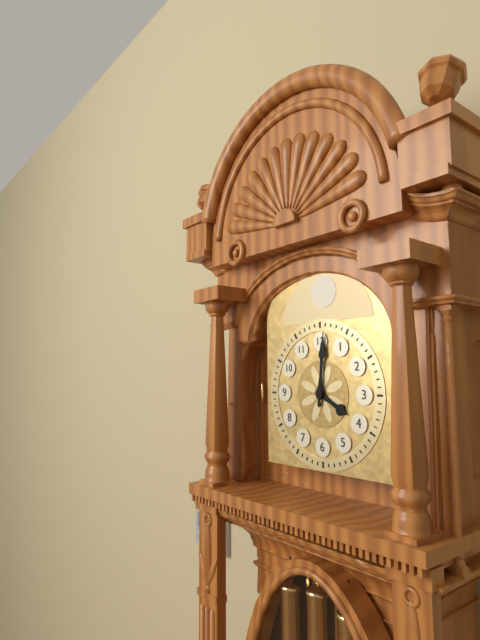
**4:01**
